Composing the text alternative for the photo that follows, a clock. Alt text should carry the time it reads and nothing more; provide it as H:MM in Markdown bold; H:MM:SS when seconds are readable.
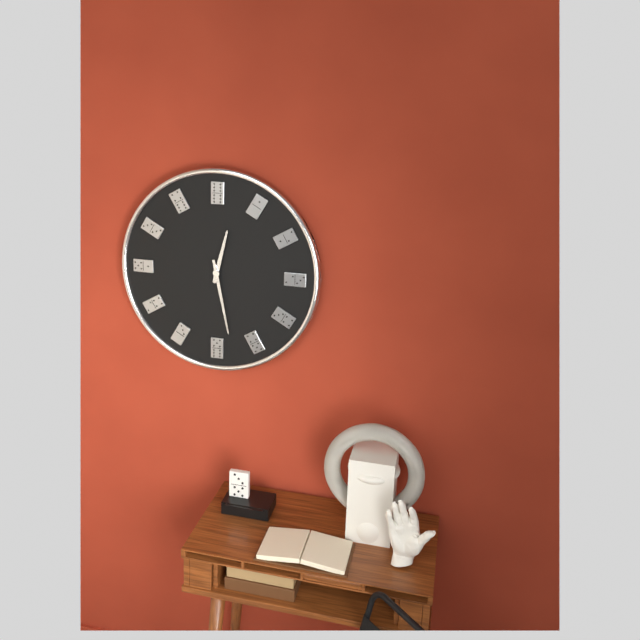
**12:28**
